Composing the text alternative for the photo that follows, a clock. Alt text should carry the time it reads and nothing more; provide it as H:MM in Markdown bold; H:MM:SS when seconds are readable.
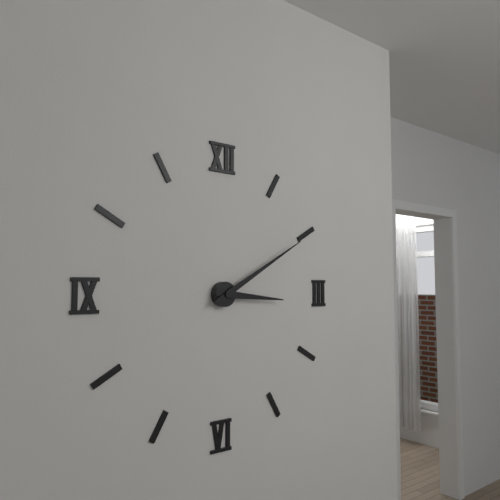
**3:10**
